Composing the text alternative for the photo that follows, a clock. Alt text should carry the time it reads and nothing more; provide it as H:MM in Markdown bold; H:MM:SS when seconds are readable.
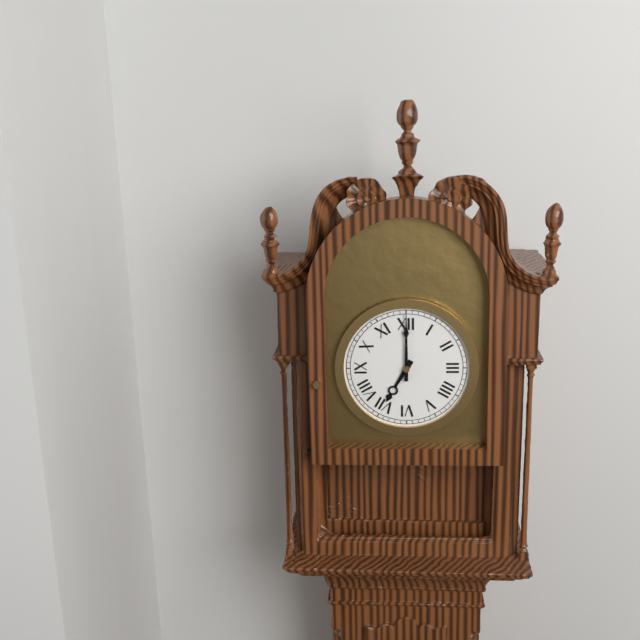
**7:00**
